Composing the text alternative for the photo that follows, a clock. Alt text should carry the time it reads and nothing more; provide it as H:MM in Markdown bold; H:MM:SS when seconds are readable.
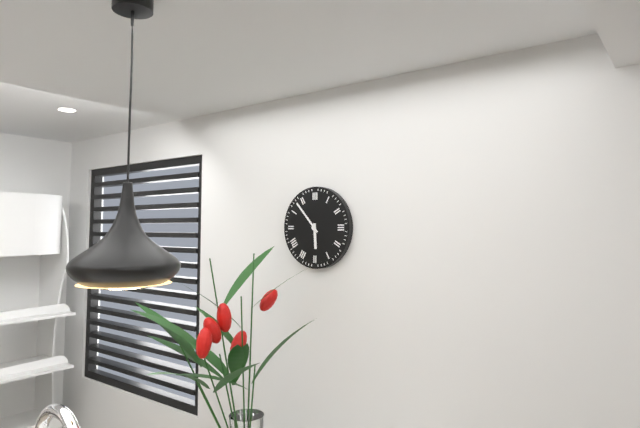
**5:53**
